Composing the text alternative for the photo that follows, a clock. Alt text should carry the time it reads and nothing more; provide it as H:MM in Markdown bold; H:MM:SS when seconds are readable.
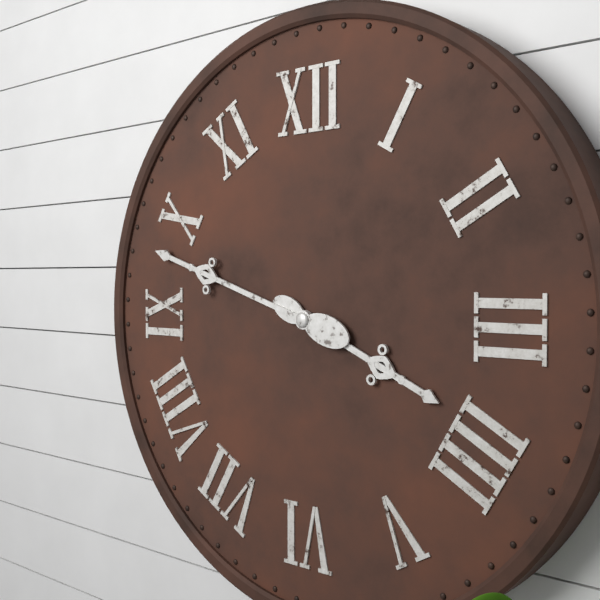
**3:48**
